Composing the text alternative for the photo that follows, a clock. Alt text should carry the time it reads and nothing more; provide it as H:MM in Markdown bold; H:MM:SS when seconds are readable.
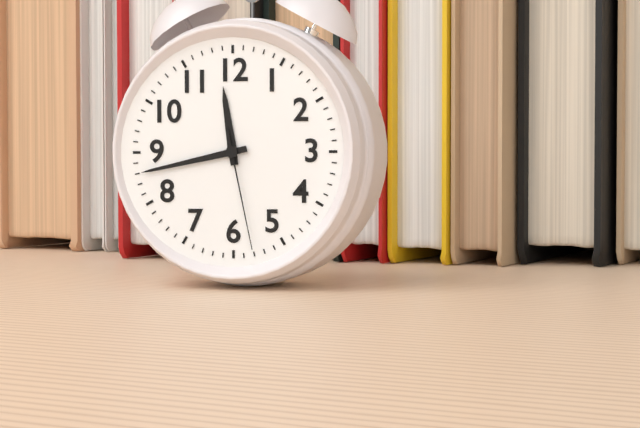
**11:43:28**
